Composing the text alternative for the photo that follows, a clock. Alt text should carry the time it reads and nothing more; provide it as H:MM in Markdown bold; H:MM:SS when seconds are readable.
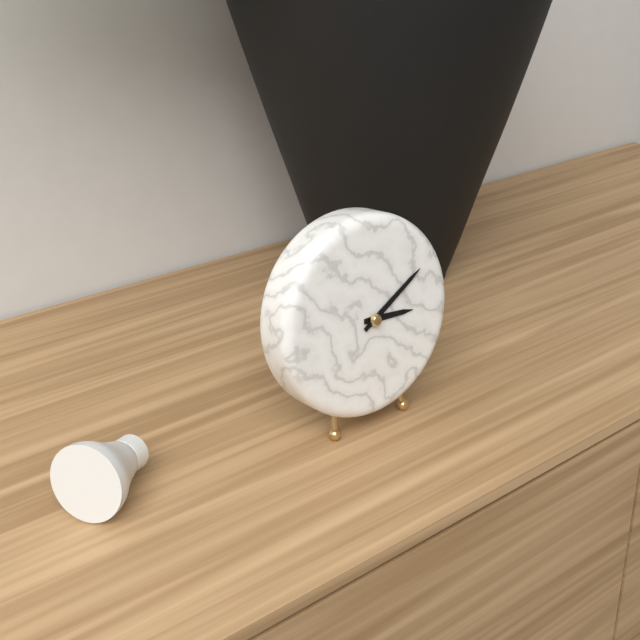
**3:10**
